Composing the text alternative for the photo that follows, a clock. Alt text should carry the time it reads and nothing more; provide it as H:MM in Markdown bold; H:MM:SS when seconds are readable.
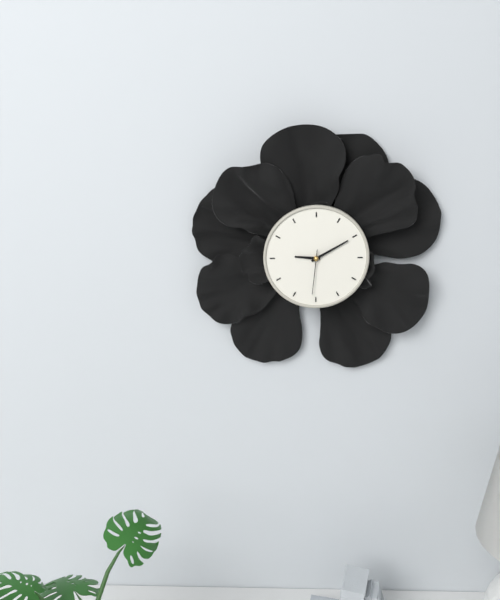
**9:10**
